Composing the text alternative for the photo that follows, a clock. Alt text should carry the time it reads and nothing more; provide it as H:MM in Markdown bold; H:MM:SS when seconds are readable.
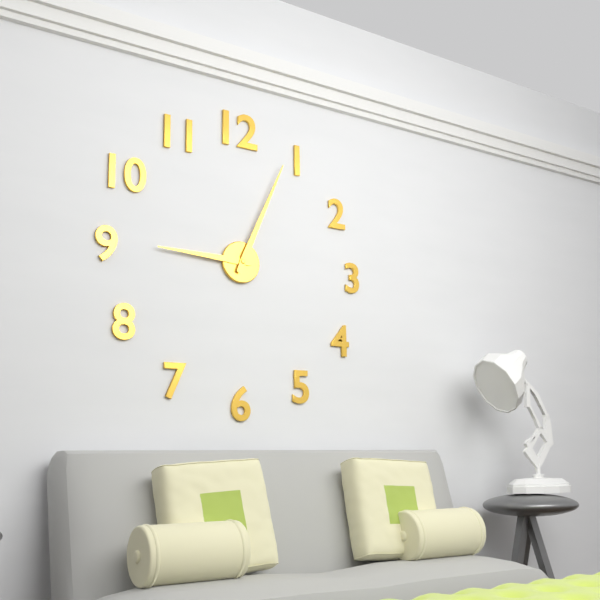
**9:04**
